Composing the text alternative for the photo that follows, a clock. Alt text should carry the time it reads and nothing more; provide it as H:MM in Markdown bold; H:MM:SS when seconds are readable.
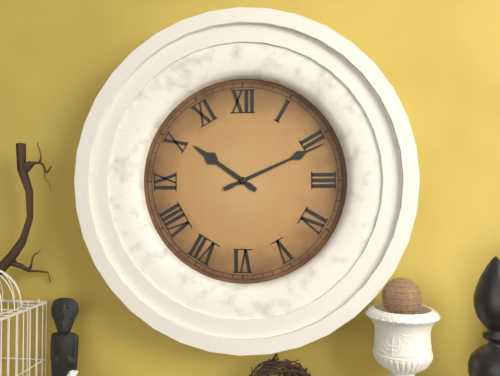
**10:11**
